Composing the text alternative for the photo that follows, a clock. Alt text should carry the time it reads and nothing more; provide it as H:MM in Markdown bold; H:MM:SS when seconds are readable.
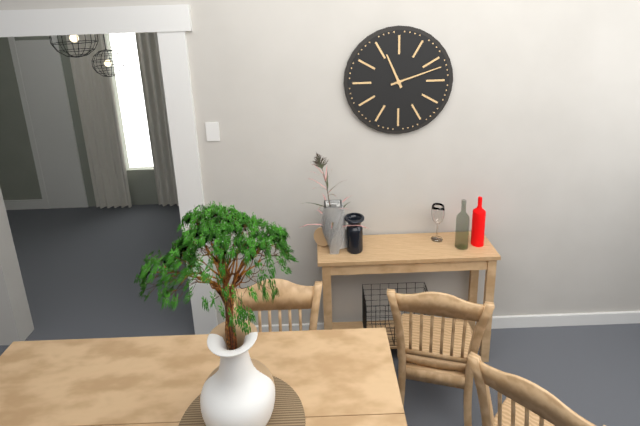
**11:12**
